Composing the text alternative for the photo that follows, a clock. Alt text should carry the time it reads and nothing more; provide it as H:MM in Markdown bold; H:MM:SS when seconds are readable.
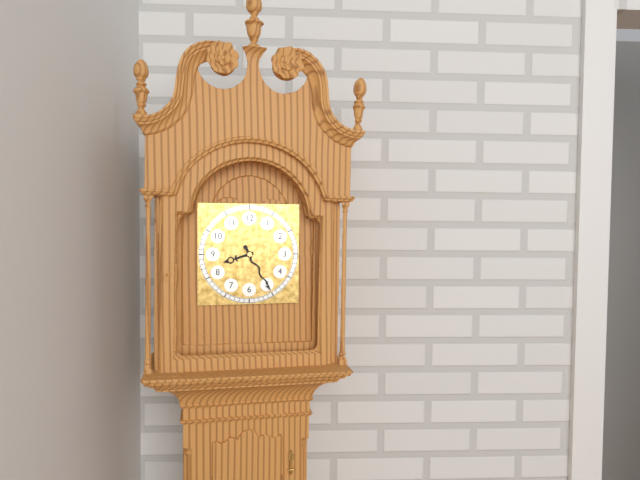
**8:25**
